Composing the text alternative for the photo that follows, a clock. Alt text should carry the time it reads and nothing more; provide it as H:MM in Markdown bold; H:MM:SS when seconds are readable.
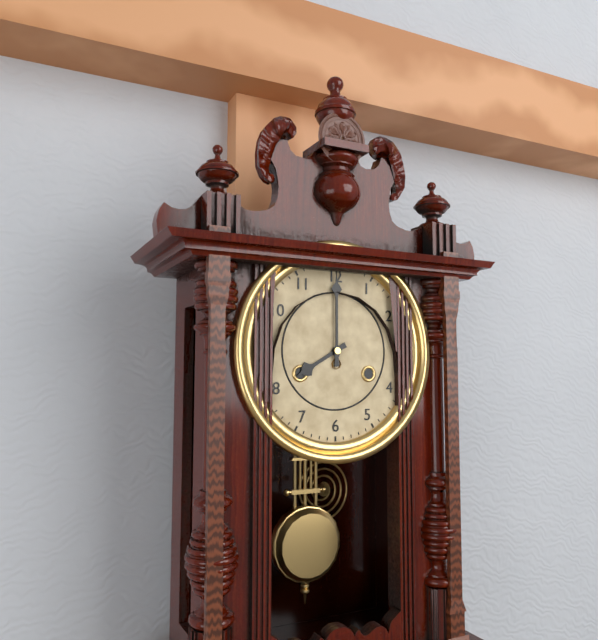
**8:00**
